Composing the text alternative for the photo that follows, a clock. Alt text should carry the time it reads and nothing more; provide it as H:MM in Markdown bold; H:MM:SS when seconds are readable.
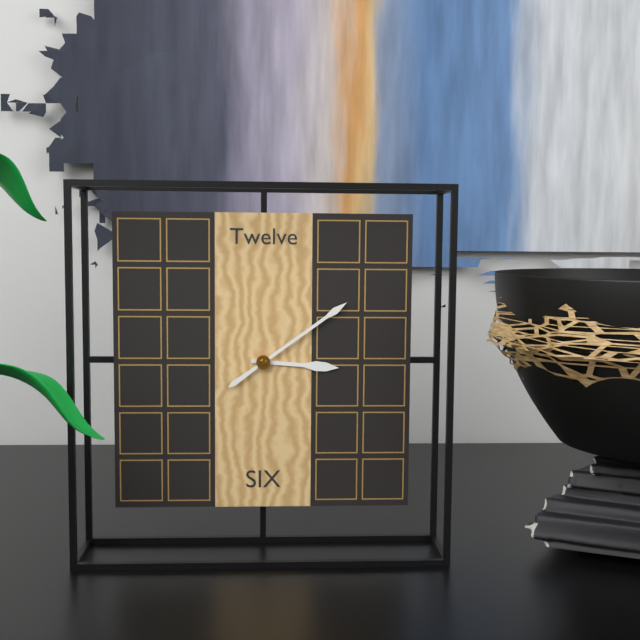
**3:09**
